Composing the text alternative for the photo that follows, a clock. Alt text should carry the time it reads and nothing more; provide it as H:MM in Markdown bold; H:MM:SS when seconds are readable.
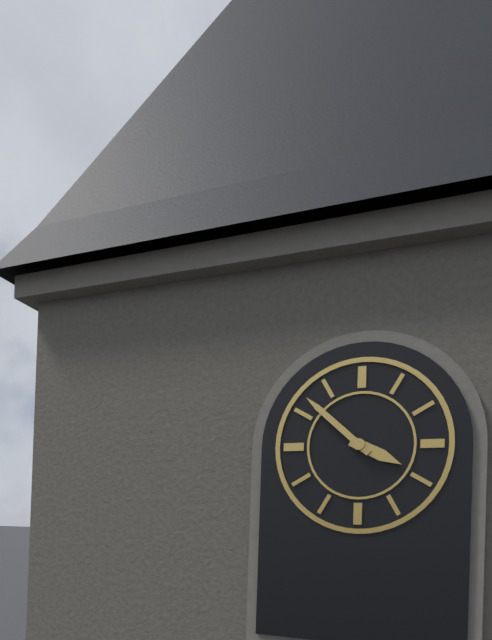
**3:52**
